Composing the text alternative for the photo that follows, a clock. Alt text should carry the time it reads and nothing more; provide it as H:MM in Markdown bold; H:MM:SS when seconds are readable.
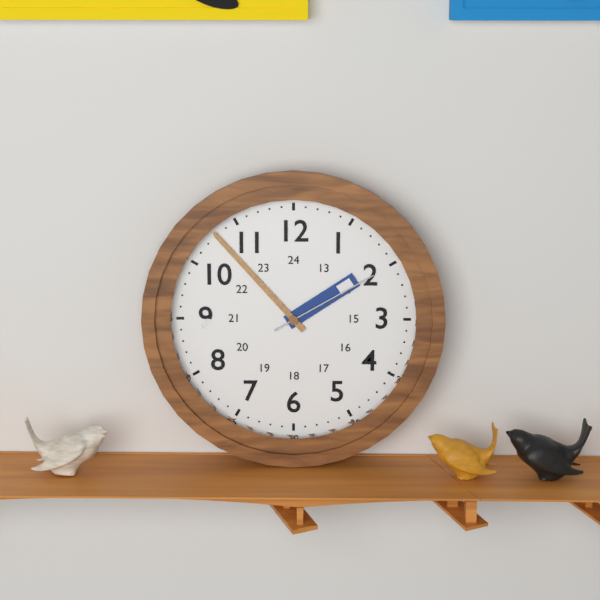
**1:53:10**
